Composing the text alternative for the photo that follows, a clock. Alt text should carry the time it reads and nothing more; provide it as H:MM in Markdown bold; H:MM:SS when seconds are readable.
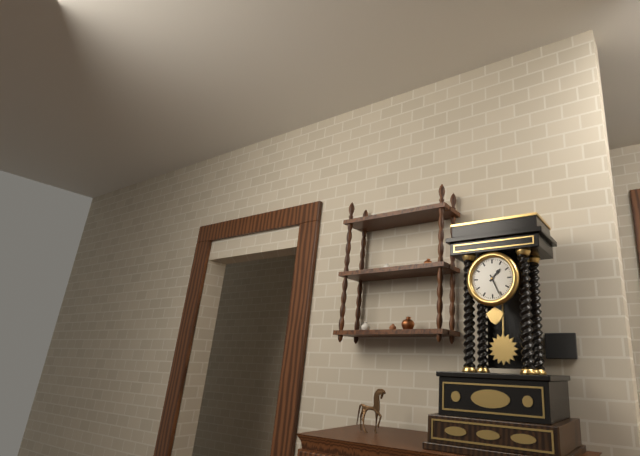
**1:26**
